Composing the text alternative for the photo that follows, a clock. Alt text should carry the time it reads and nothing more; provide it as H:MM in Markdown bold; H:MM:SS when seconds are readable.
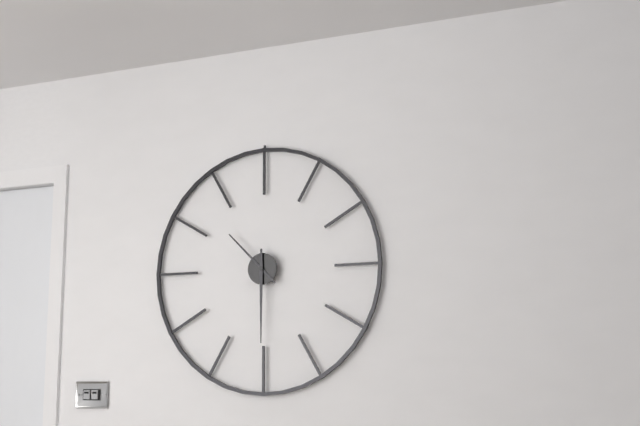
**10:30**
